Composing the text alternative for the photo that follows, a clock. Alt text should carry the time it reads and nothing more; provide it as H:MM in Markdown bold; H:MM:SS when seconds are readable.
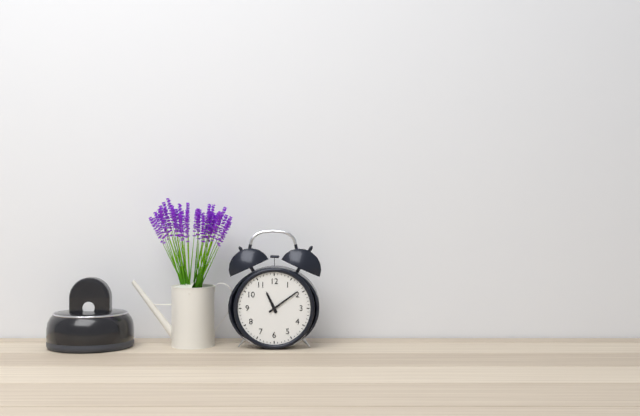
**11:09**
